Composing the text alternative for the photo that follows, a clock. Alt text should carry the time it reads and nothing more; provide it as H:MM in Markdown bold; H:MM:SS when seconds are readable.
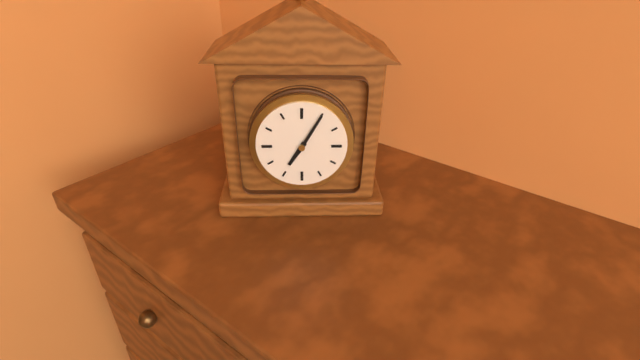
**7:05**
